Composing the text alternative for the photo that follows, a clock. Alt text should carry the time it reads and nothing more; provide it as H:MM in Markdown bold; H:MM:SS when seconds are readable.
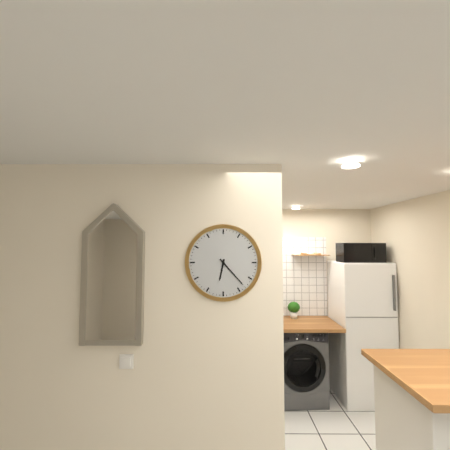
**6:23**
